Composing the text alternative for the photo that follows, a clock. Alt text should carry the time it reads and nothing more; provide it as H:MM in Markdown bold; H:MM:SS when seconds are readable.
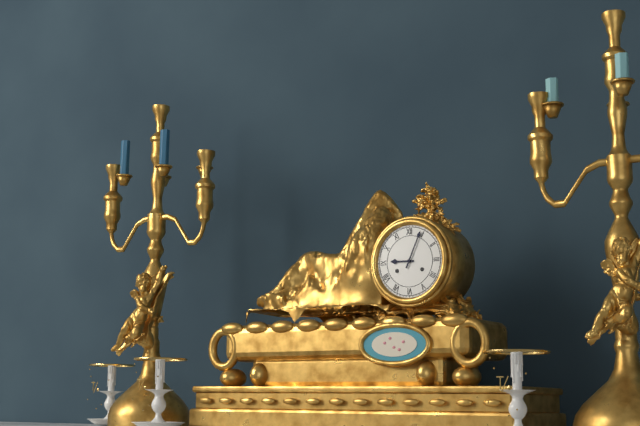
**9:04**
